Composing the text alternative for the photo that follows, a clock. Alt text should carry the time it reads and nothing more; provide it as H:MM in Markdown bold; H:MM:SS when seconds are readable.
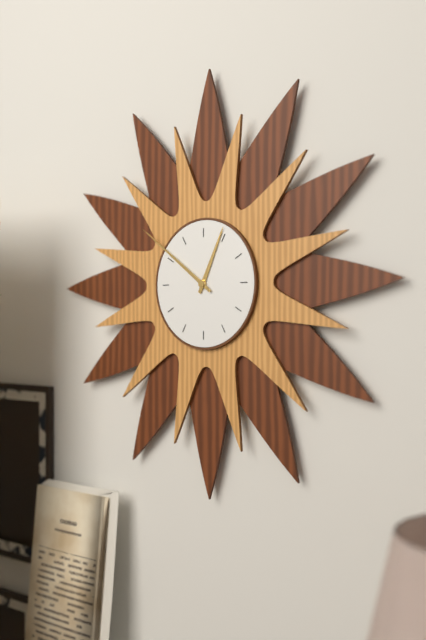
**12:51**
